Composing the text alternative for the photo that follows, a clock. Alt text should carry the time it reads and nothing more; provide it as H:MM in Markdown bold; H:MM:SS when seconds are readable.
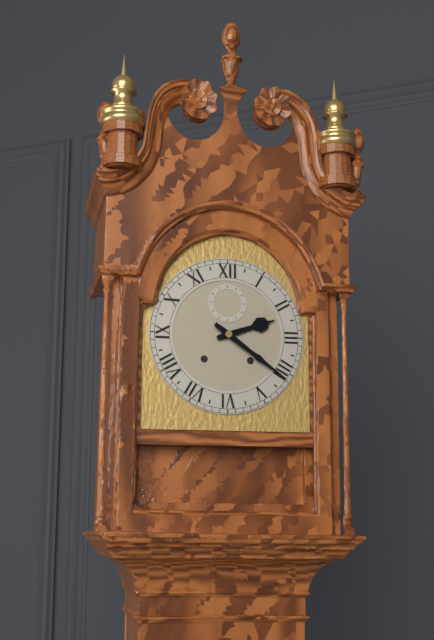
**2:21**
